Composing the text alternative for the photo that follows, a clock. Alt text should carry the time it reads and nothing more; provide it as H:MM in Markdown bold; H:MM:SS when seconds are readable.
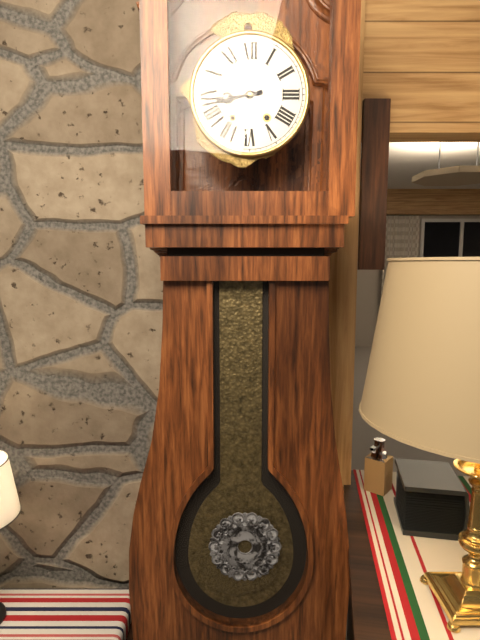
**8:43**
